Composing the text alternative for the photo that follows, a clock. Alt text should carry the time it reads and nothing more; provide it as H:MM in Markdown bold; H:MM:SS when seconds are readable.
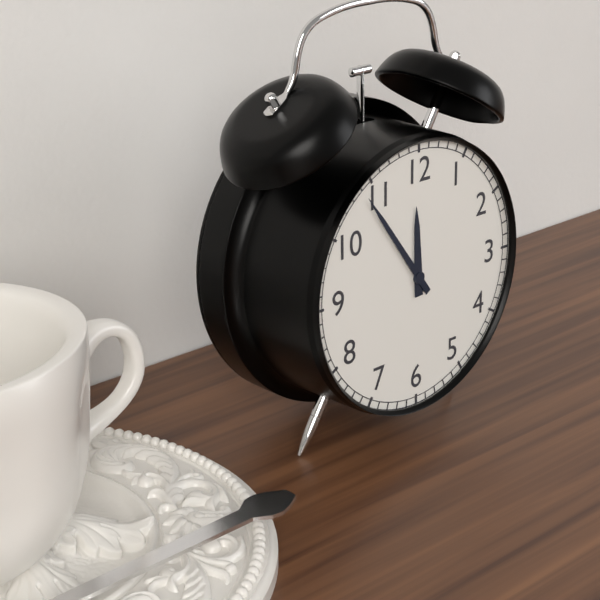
**11:54**
